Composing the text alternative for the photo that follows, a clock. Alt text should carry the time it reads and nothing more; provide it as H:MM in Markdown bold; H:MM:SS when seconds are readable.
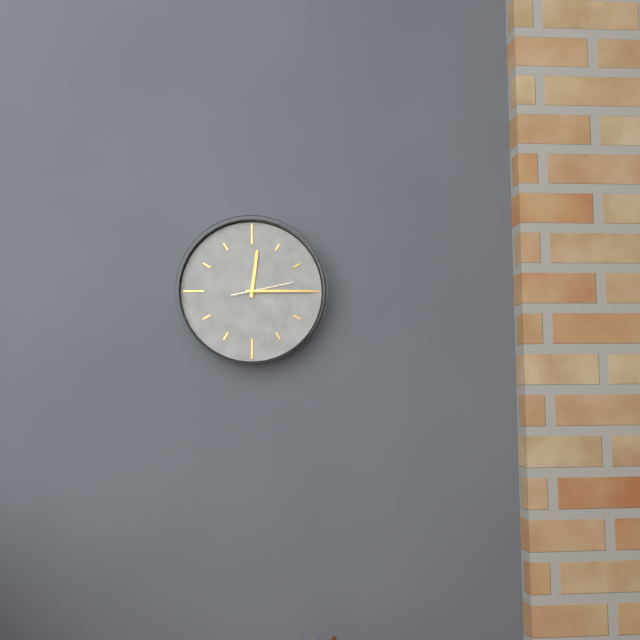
**12:15:13**
